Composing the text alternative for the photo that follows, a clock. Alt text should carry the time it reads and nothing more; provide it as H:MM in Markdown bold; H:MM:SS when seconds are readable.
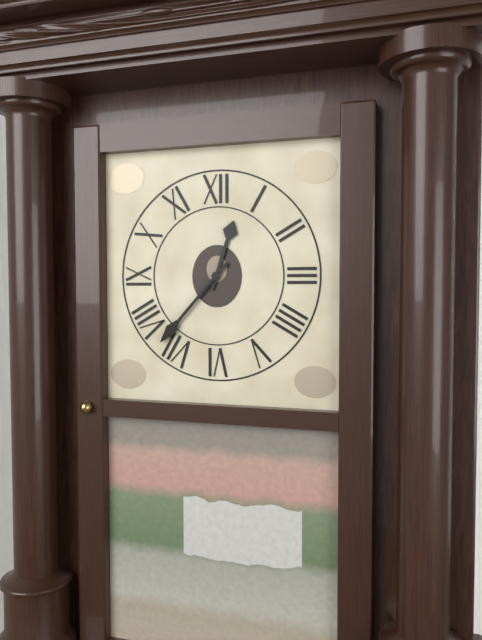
**12:37**
